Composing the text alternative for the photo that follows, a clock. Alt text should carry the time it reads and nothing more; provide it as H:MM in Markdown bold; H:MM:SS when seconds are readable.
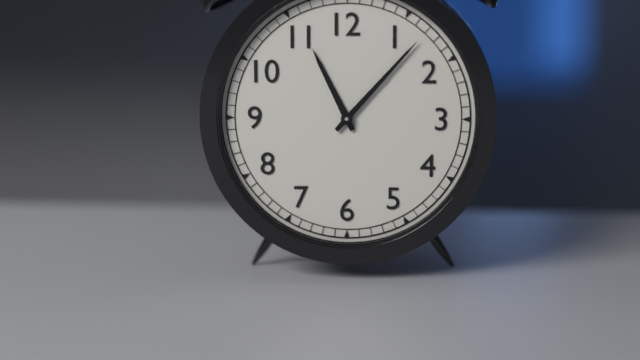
**11:07**
